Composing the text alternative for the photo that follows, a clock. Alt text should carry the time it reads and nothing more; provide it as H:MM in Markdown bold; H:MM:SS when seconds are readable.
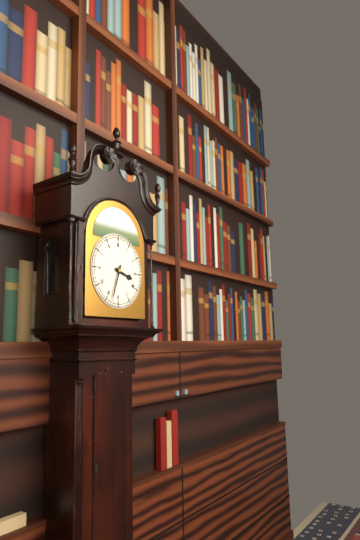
**3:33**
